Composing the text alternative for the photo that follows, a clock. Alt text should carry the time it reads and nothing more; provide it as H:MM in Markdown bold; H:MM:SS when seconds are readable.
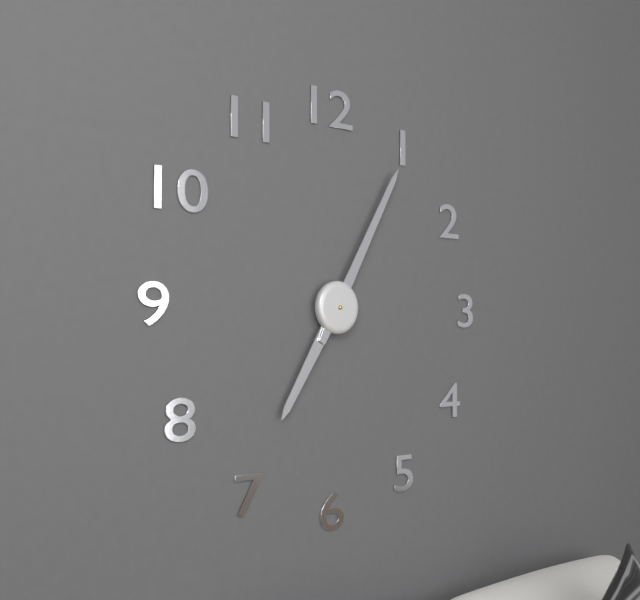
**7:05**
